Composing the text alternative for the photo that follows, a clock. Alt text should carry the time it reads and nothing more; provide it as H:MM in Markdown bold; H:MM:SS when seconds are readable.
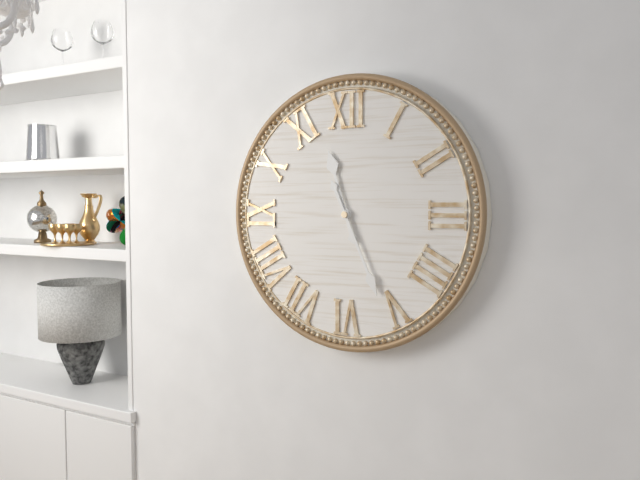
**11:26**
